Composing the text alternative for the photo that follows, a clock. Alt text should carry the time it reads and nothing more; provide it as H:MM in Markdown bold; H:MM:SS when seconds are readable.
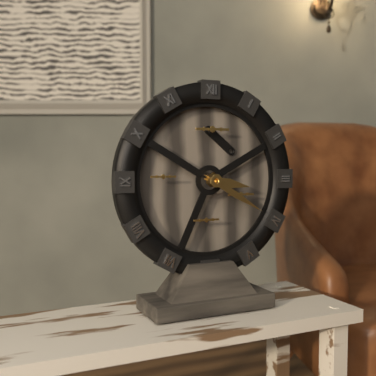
**3:20**
